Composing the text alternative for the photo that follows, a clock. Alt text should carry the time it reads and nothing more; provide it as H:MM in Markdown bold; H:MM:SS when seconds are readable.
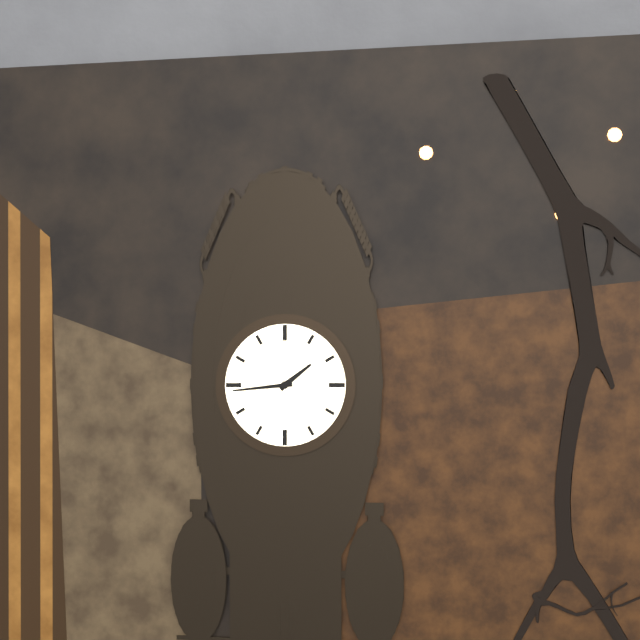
**1:44**
